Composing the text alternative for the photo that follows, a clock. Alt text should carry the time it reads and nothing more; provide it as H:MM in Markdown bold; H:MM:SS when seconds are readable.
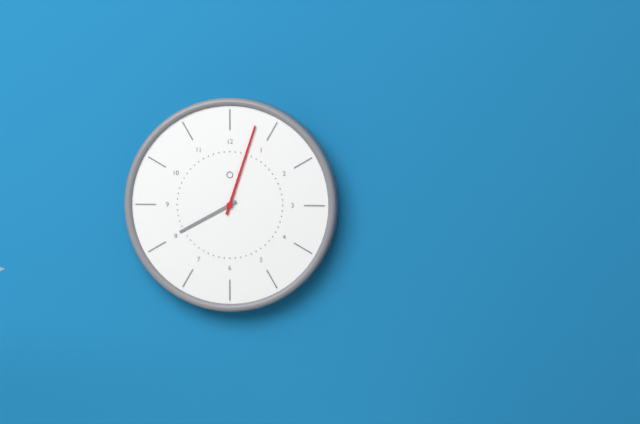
**8:03**
